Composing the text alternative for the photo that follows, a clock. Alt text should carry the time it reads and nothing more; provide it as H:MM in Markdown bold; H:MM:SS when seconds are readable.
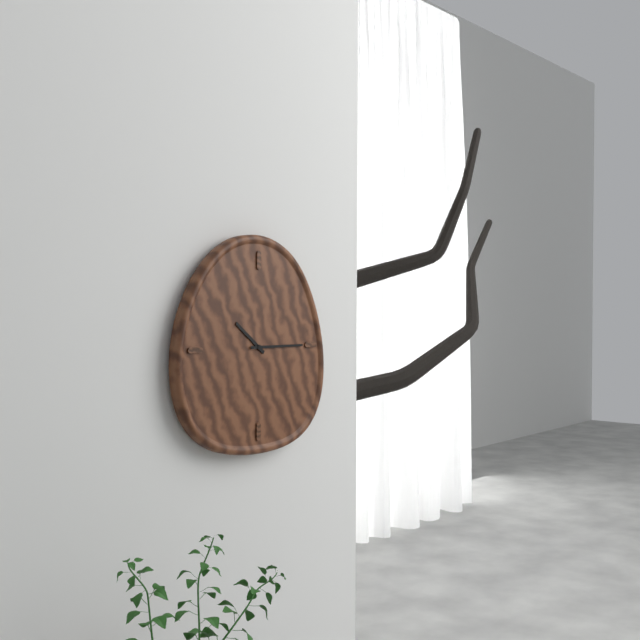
**10:15**
